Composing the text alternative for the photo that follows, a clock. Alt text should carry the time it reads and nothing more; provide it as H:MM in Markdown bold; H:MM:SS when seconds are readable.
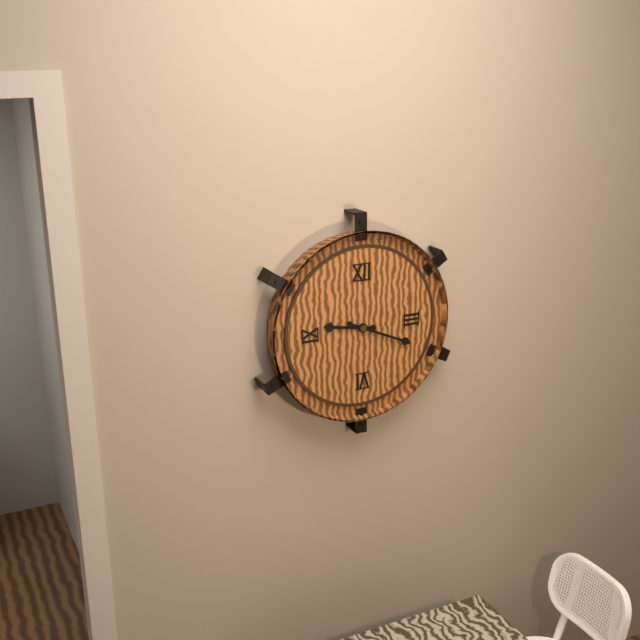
**9:19**
